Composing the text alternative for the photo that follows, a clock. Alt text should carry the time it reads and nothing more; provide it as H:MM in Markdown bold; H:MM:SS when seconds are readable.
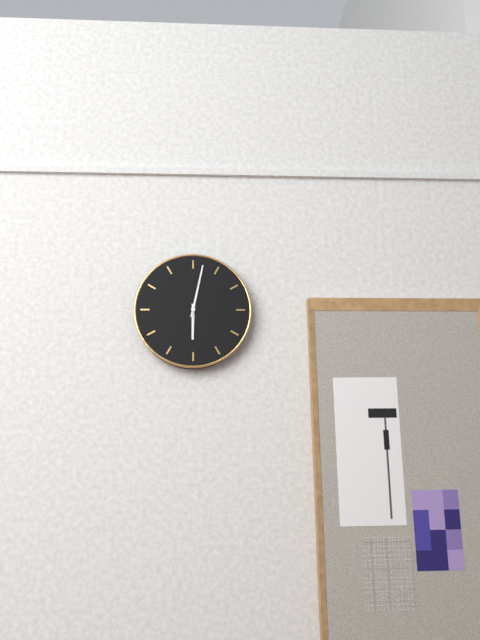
**6:02**
